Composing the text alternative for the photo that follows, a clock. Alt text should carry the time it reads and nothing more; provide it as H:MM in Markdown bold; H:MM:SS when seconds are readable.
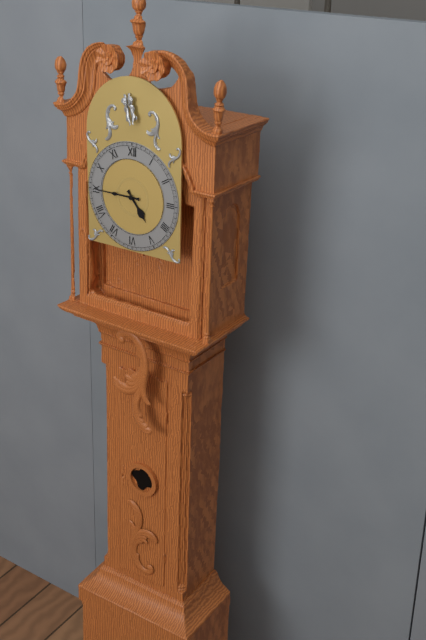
**4:45**
